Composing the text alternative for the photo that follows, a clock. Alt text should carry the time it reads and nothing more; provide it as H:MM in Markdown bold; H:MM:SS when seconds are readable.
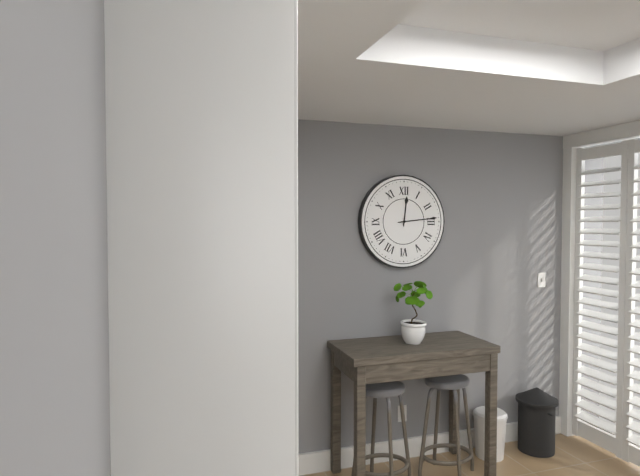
**12:14**
